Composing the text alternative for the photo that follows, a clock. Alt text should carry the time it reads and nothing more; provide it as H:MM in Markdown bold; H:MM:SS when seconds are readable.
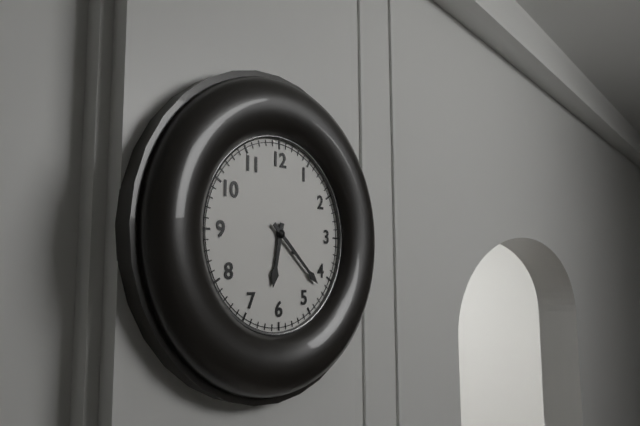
**6:22**
